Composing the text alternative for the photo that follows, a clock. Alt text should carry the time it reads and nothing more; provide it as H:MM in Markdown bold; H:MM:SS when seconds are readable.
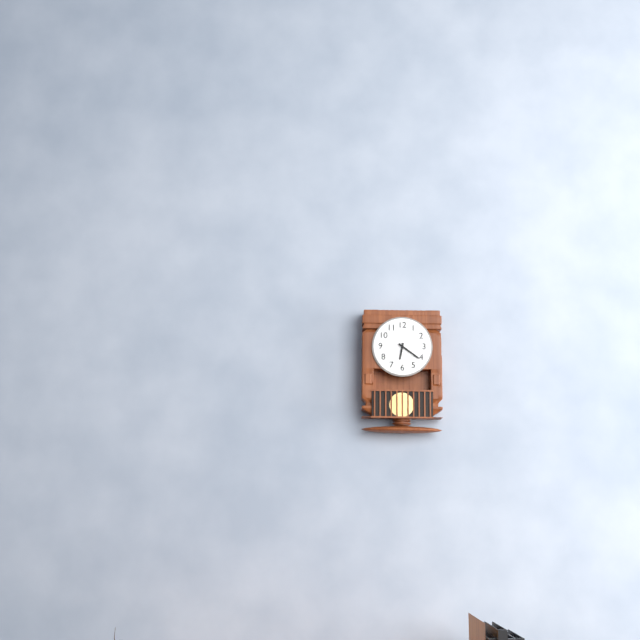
**6:21**
